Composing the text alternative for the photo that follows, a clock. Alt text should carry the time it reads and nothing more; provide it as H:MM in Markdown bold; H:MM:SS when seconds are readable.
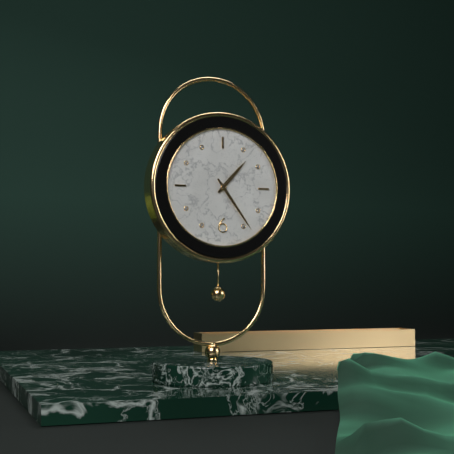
**1:24**
